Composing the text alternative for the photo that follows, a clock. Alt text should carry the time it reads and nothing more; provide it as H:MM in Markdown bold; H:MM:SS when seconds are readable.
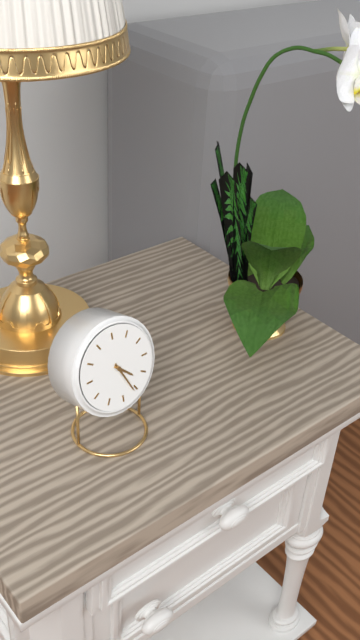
**4:26**
